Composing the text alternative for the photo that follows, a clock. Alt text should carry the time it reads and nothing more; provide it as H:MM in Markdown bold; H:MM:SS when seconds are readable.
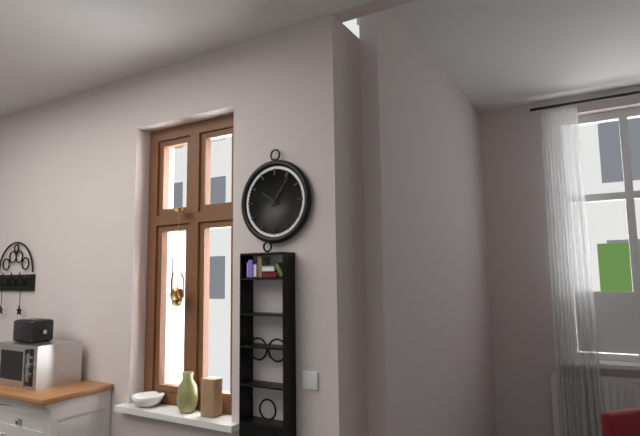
**10:06**
